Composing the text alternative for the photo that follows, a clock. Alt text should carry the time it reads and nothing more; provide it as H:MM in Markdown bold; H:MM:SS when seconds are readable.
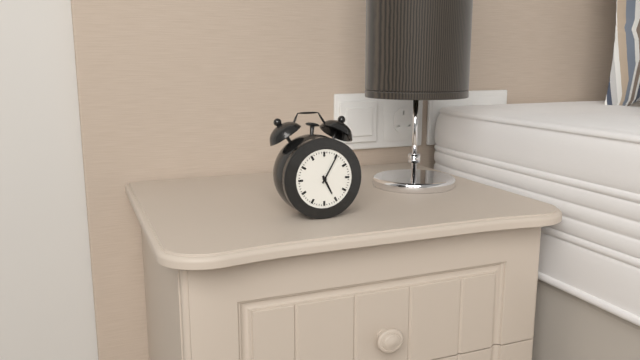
**5:05**
